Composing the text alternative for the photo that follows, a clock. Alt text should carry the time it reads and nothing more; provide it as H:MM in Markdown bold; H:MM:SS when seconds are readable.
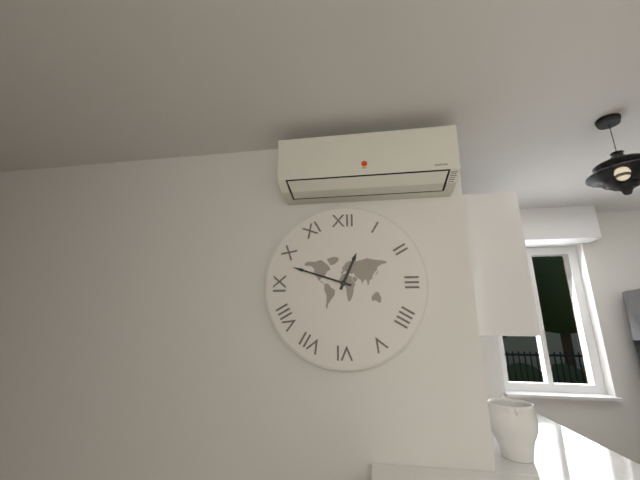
**12:48**
